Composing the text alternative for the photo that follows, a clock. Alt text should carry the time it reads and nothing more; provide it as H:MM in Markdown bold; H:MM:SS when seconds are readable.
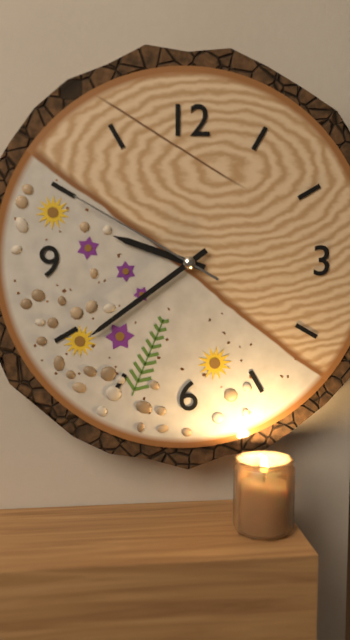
**9:39:50**
